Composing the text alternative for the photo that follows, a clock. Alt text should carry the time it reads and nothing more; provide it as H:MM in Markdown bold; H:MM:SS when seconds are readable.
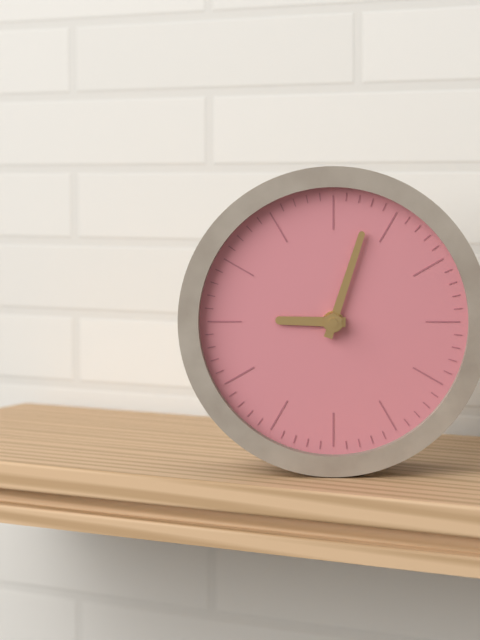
**9:03**
